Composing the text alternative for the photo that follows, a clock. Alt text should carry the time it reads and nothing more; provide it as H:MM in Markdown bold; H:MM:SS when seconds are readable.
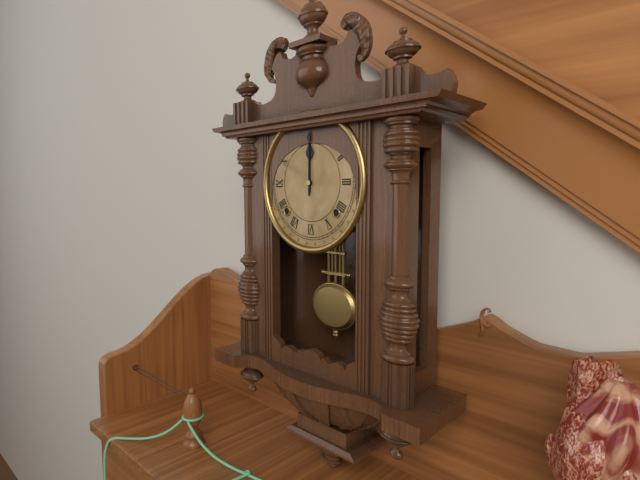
**12:00**
